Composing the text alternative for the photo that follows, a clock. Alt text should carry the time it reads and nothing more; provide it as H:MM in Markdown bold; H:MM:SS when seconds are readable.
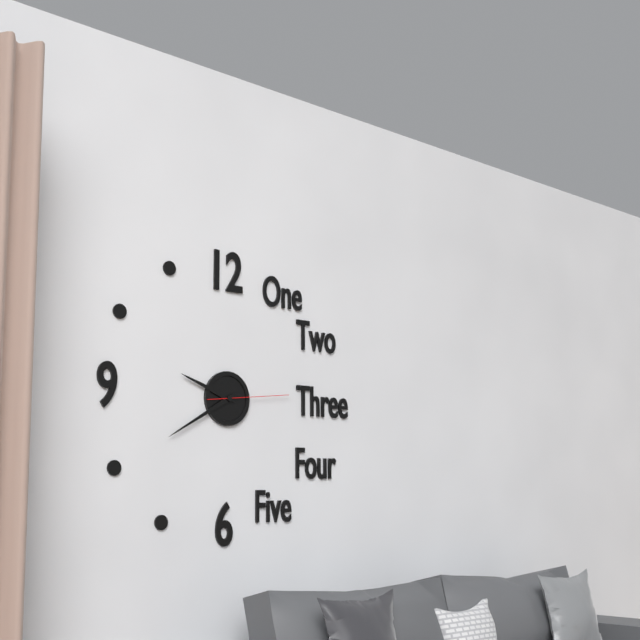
**9:40:14**
